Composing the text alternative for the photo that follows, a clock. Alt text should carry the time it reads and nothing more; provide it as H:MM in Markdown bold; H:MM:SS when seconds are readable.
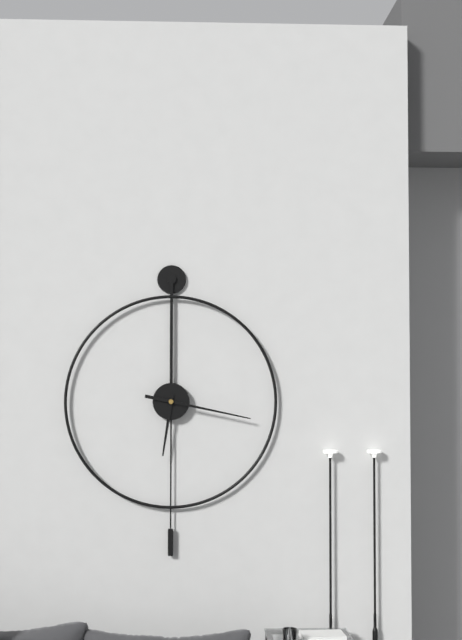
**6:17**
